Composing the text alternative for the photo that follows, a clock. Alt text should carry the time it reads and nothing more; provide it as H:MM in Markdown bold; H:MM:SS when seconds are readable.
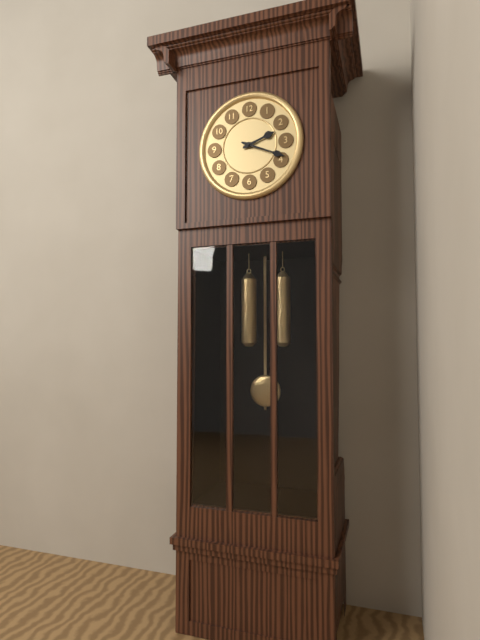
**2:19**
